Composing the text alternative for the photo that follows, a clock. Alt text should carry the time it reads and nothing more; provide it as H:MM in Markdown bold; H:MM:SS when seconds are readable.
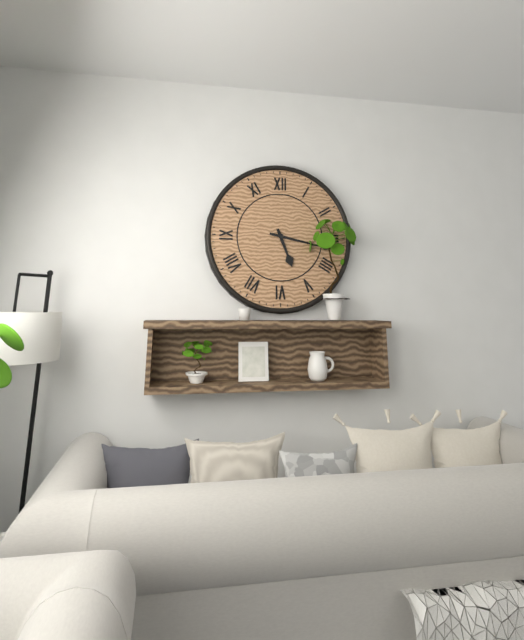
**5:17**
